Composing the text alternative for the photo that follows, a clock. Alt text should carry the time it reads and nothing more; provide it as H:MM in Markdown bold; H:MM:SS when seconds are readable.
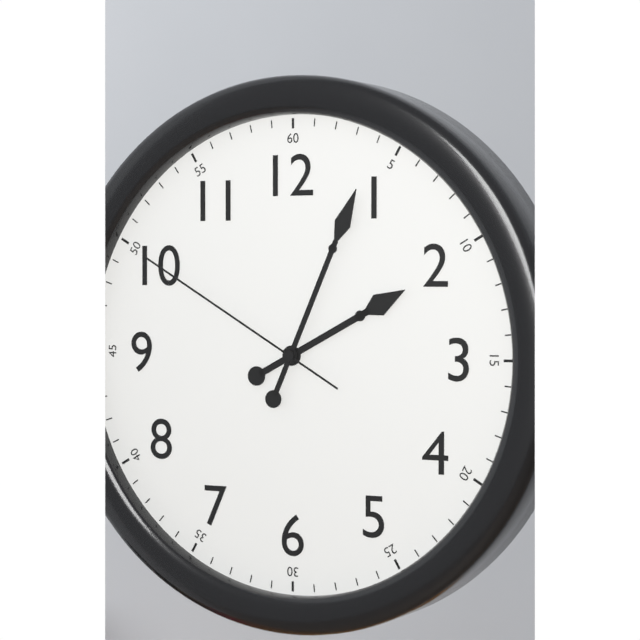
**2:04:50**
